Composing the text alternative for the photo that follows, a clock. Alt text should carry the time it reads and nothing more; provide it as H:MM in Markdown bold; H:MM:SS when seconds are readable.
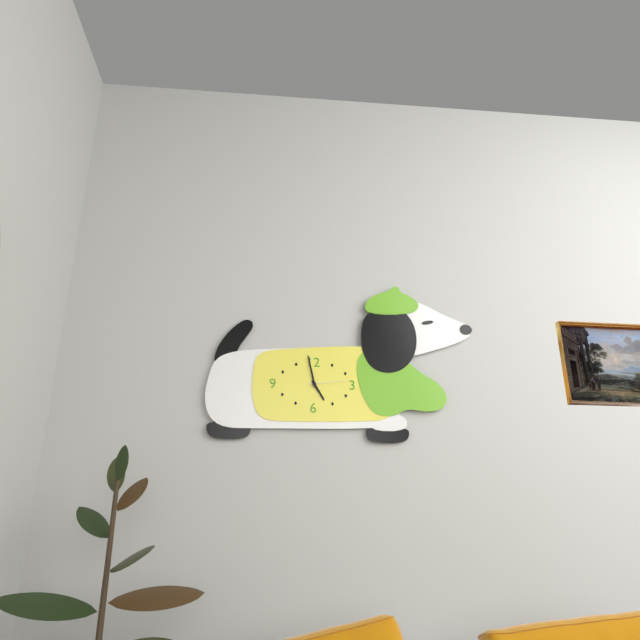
**4:58**
